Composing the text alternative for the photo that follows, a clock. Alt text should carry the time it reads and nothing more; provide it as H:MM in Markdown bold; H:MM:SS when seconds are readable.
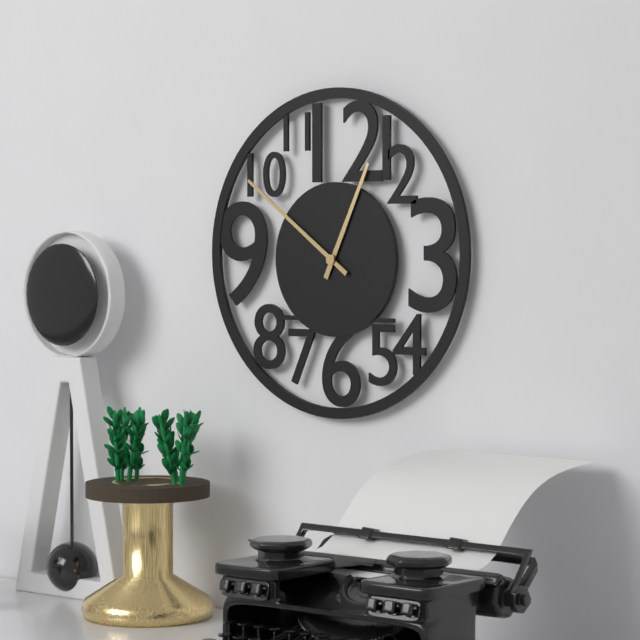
**12:51**
